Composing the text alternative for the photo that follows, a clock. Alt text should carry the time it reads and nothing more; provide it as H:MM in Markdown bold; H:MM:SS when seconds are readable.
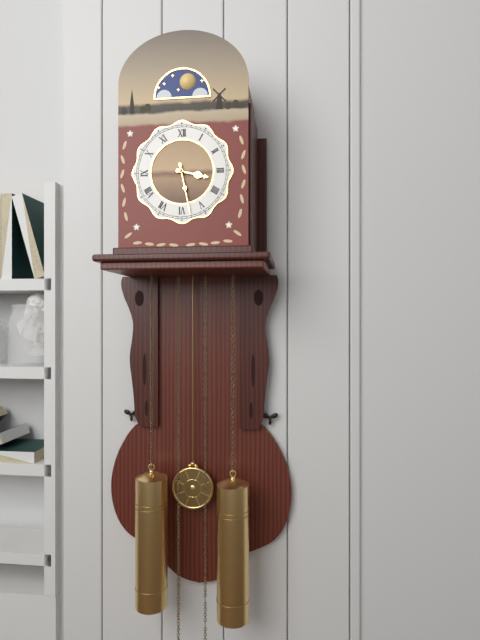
**3:28**
